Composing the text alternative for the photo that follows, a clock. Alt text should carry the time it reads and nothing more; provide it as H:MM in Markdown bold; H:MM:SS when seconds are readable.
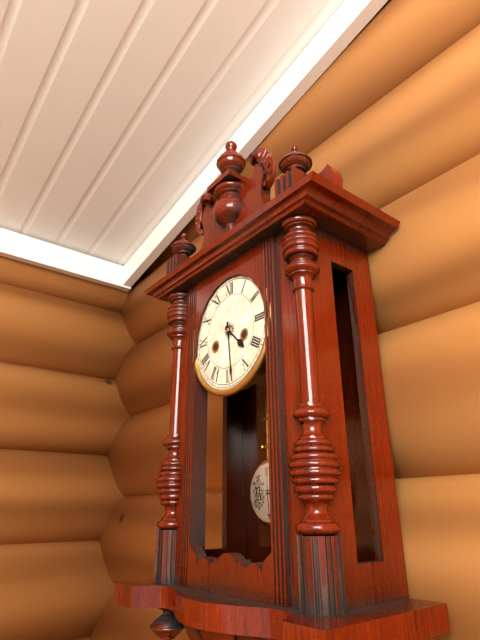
**4:29**
